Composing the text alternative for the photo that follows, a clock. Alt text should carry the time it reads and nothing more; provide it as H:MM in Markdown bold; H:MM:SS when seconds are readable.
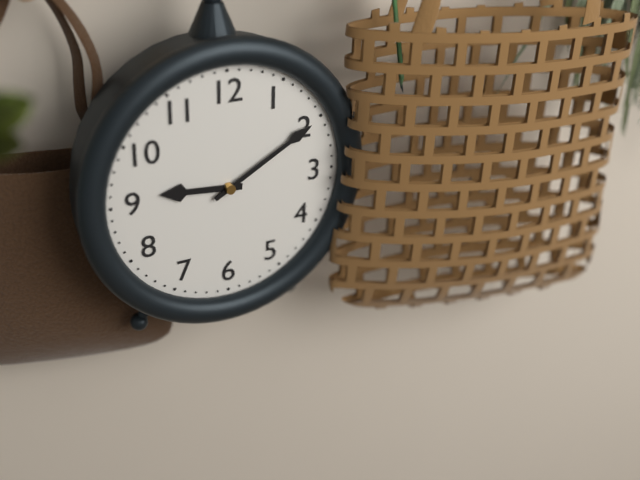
**9:10**
